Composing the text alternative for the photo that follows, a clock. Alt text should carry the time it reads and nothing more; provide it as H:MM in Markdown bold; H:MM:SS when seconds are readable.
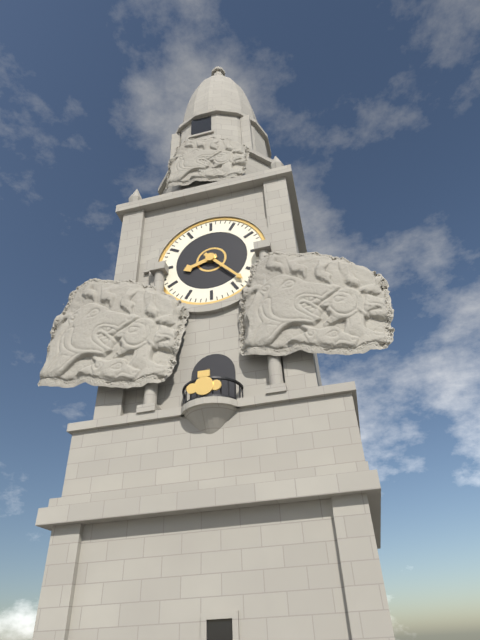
**8:23**
